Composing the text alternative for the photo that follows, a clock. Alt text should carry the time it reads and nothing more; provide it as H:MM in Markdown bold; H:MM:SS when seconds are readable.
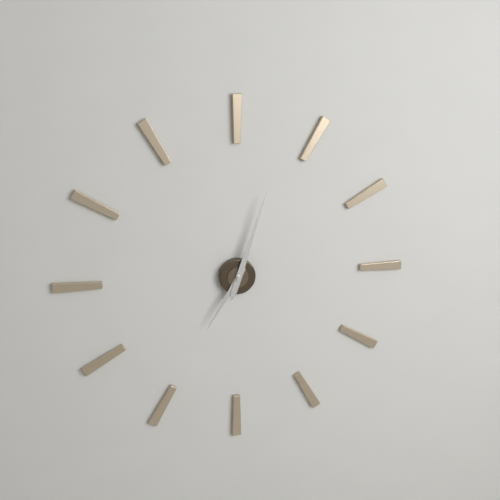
**7:03**
